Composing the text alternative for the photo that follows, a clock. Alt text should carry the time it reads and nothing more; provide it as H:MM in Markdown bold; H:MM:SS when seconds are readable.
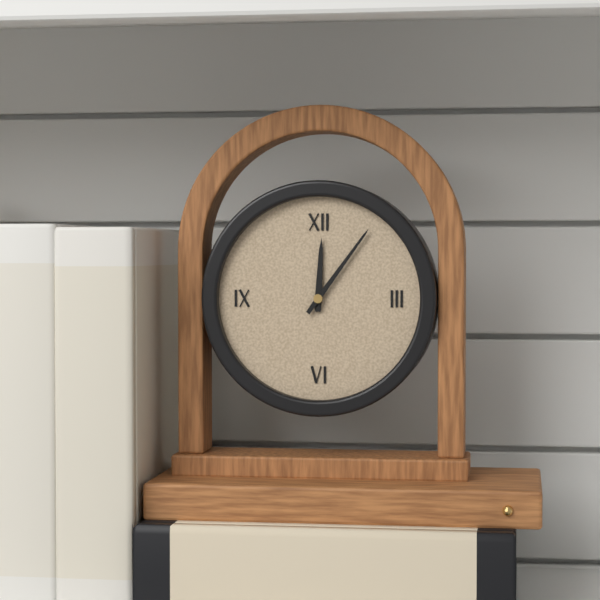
**12:06**
